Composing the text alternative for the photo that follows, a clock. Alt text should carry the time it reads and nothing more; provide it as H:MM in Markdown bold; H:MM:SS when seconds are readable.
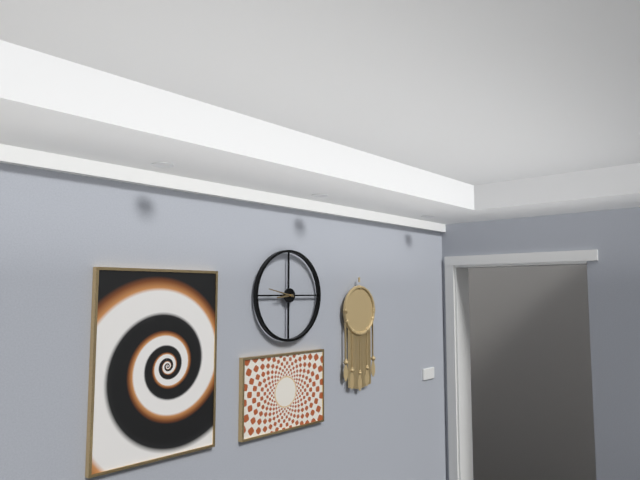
**8:47**
